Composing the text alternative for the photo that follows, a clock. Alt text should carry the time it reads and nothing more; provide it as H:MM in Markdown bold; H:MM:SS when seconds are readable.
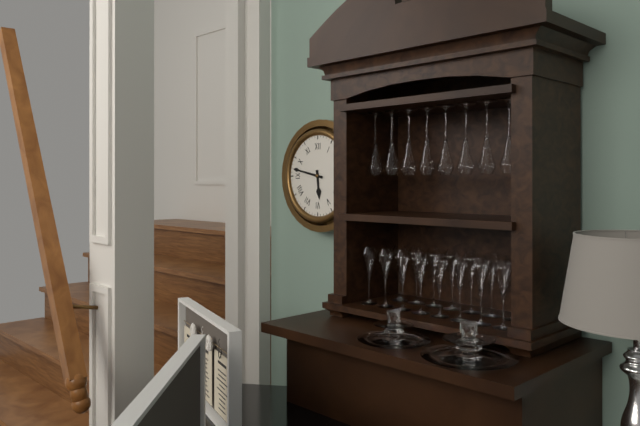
**5:47**
